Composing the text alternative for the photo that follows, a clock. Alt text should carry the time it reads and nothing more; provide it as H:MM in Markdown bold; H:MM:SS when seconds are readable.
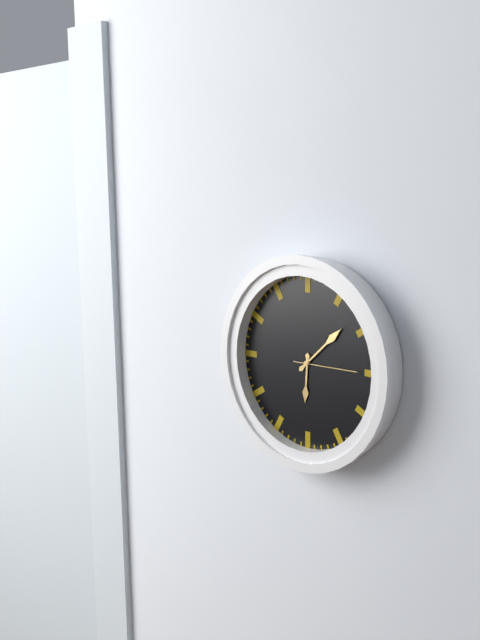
**6:08:15**
